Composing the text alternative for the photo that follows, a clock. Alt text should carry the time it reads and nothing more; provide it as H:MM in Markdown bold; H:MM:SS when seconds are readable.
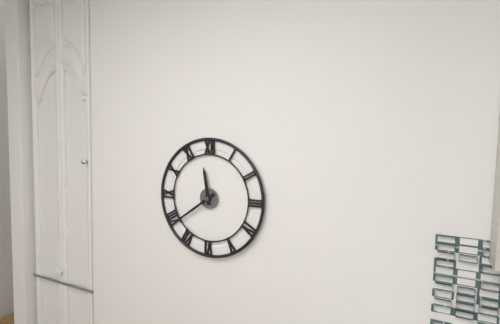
**11:39**
